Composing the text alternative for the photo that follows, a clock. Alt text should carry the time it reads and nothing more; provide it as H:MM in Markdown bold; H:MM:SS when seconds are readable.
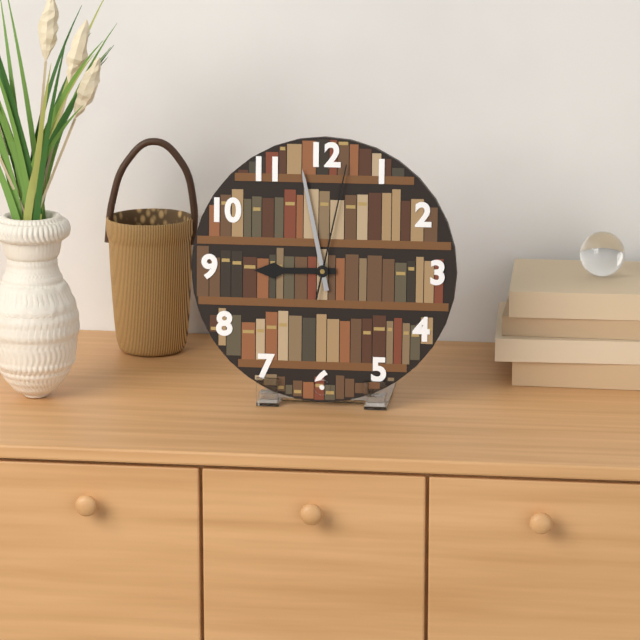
**8:58:02**
